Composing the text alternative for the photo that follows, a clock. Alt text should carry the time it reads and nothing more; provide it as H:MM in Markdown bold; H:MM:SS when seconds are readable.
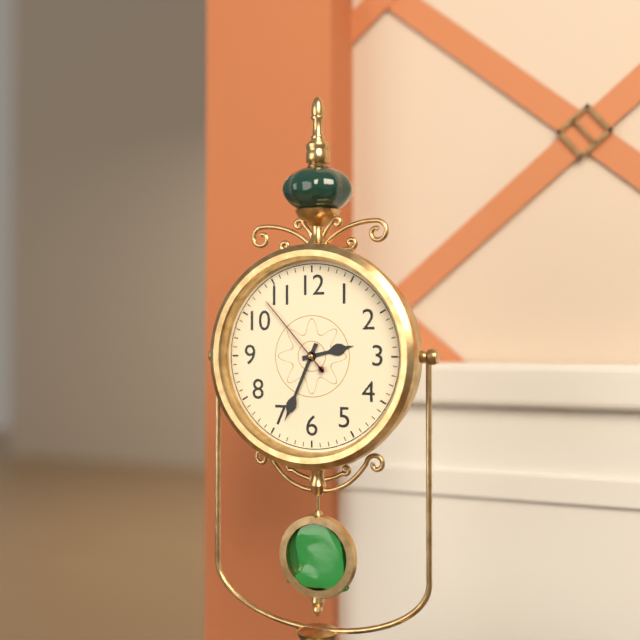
**2:34:53**
